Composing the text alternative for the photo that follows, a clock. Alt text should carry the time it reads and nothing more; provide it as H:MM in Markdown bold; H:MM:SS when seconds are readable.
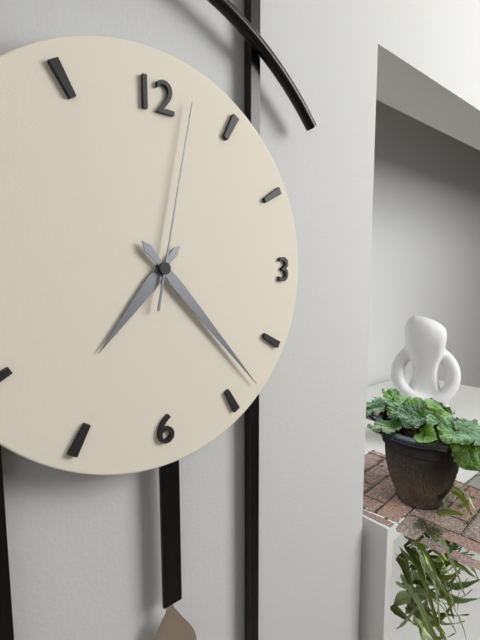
**7:23:02**
